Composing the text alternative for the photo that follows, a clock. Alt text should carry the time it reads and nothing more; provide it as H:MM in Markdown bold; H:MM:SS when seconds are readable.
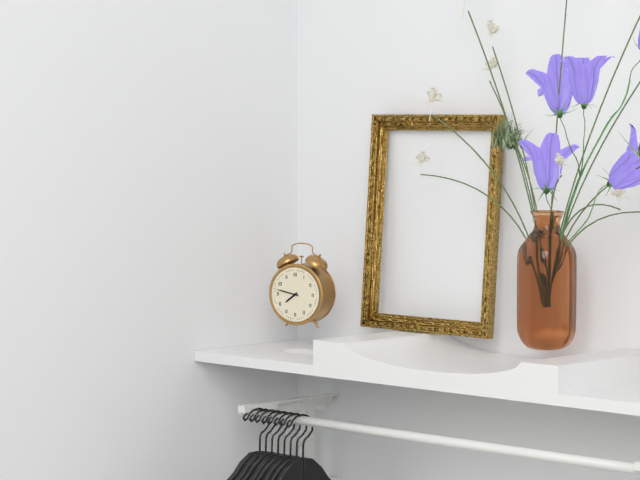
**7:47**
